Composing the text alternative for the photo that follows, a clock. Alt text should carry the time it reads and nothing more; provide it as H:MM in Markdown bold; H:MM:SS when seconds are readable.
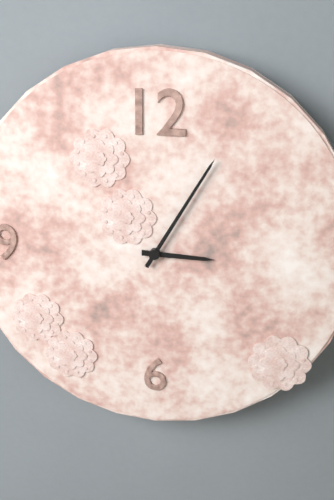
**3:05**
